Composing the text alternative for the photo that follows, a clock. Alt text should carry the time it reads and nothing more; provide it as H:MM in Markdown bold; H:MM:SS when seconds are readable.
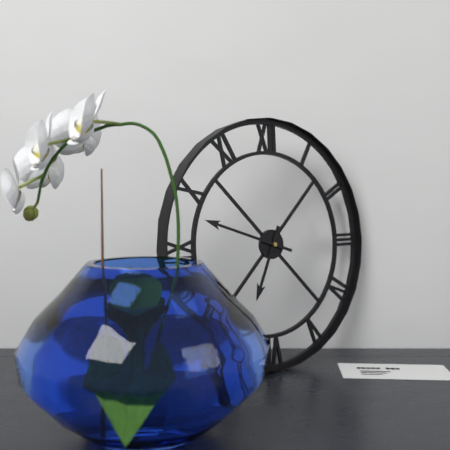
**6:48**
